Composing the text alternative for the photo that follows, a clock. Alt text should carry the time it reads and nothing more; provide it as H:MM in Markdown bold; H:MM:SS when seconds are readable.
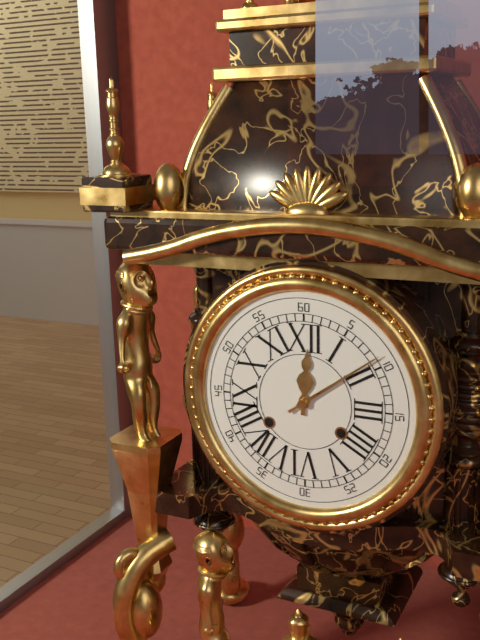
**12:09**
